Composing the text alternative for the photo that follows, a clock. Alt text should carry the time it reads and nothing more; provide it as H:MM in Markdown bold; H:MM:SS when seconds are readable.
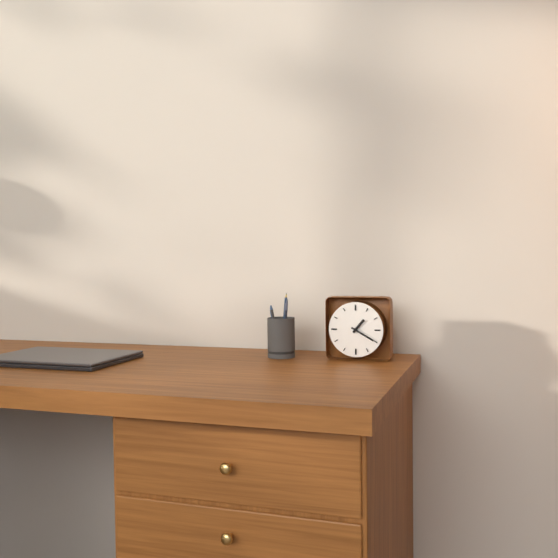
**1:20**
